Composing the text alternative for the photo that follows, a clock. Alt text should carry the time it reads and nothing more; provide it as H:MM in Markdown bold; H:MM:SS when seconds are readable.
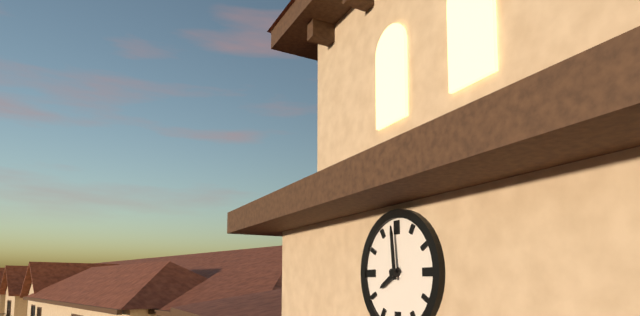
**7:59**
